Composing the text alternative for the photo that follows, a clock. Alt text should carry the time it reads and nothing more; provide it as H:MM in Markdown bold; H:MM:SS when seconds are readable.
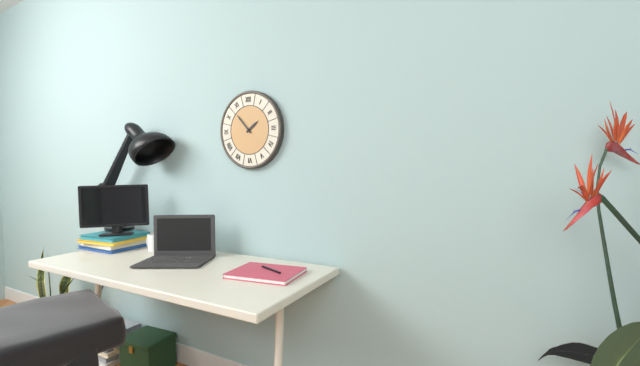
**1:53**
